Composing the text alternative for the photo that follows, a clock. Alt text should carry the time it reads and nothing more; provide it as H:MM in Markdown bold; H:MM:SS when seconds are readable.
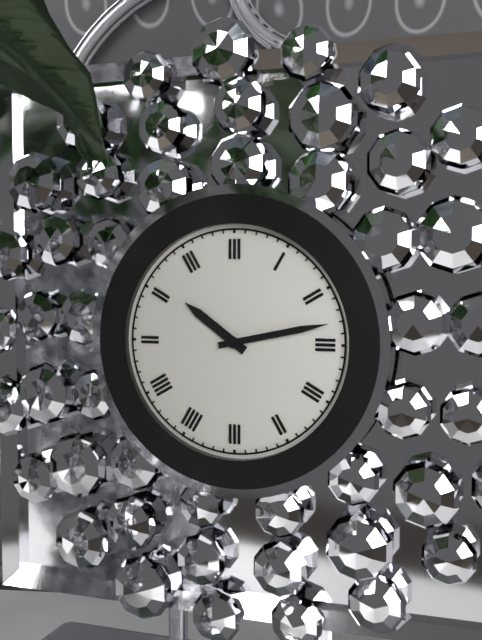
**10:13**
